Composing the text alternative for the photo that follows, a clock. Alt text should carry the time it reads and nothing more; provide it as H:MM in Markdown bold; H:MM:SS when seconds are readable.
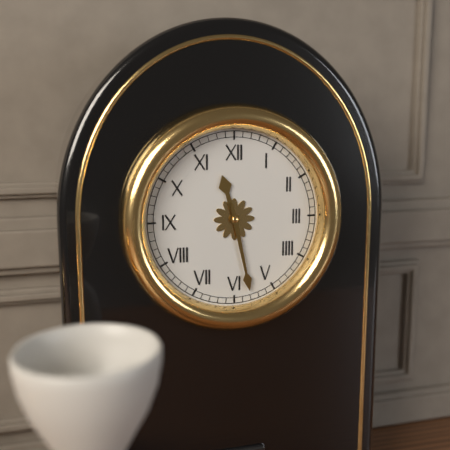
**11:28**
